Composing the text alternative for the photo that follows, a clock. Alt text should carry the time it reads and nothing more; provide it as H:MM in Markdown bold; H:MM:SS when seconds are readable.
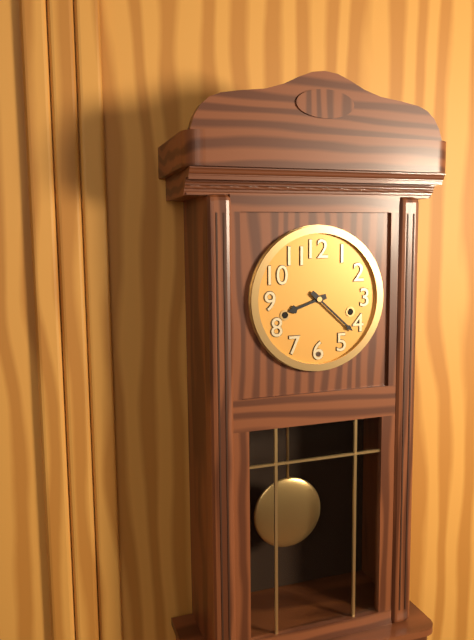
**8:22**
